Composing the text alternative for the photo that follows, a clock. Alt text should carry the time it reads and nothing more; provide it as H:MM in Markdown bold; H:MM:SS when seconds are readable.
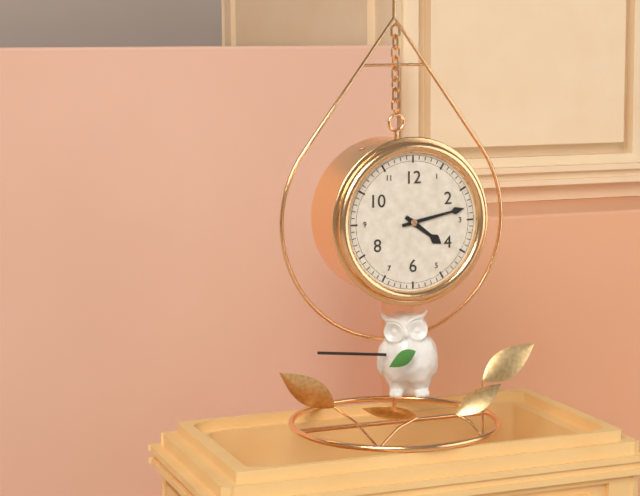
**4:13**
